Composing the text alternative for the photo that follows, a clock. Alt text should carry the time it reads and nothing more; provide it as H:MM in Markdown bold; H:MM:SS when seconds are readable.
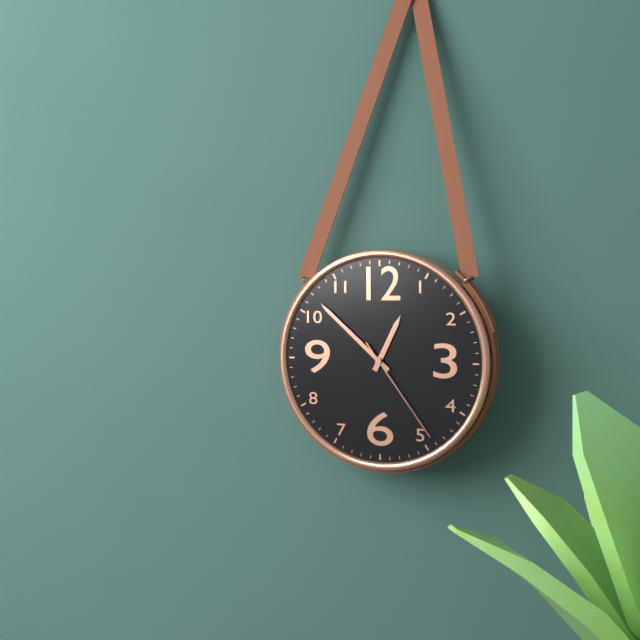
**12:52:24**
